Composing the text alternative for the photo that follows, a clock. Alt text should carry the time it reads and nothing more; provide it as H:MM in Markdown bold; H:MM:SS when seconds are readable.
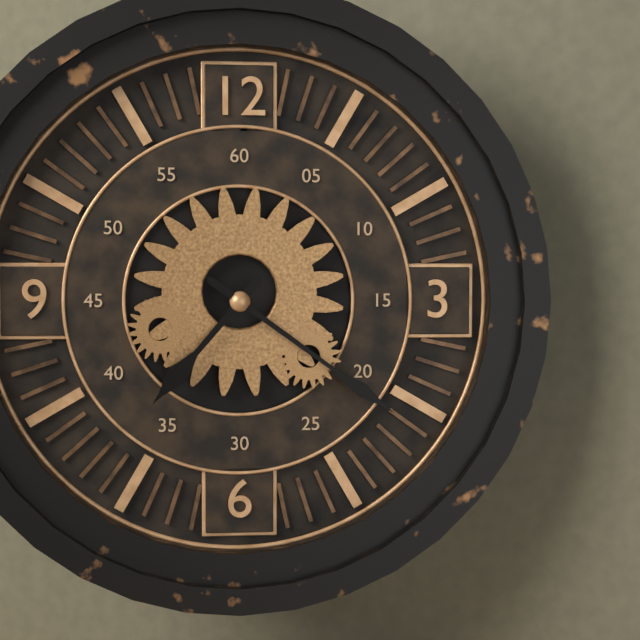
**7:21**
